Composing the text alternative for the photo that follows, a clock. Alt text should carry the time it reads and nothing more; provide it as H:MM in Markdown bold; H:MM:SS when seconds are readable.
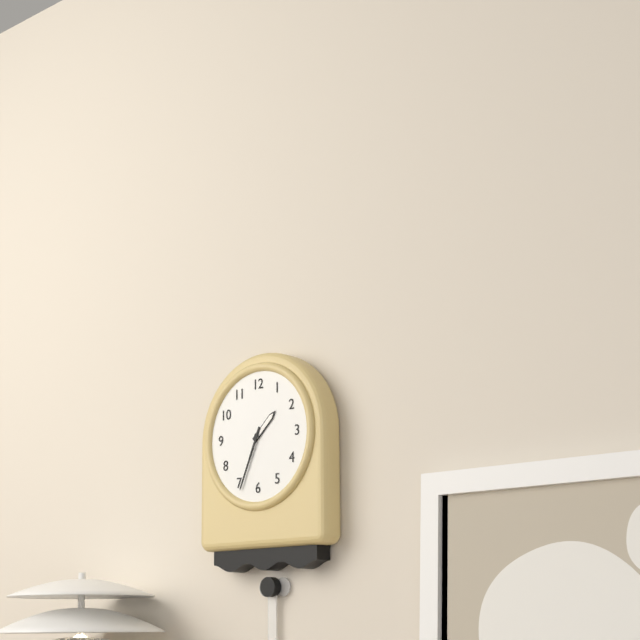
**1:34**
